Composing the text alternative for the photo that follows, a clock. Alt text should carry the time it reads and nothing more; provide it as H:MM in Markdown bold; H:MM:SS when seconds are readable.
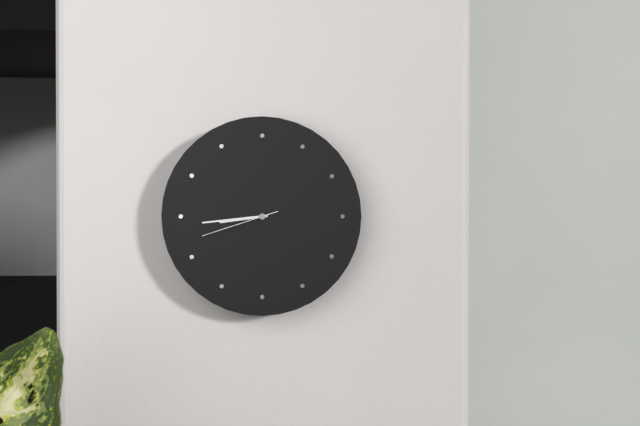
**8:44:42**
